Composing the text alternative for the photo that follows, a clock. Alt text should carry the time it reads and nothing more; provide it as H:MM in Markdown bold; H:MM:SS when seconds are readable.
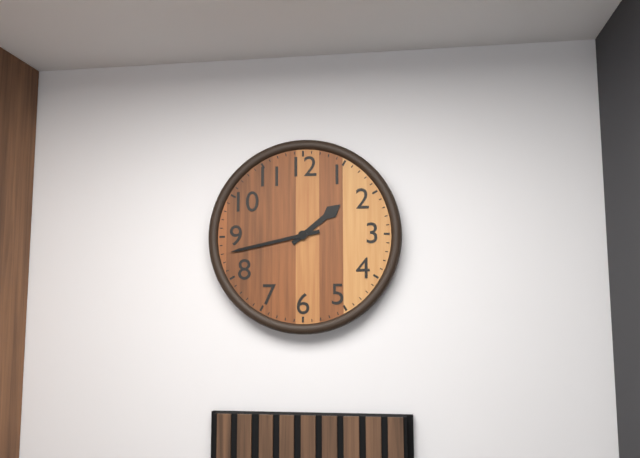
**1:43**
